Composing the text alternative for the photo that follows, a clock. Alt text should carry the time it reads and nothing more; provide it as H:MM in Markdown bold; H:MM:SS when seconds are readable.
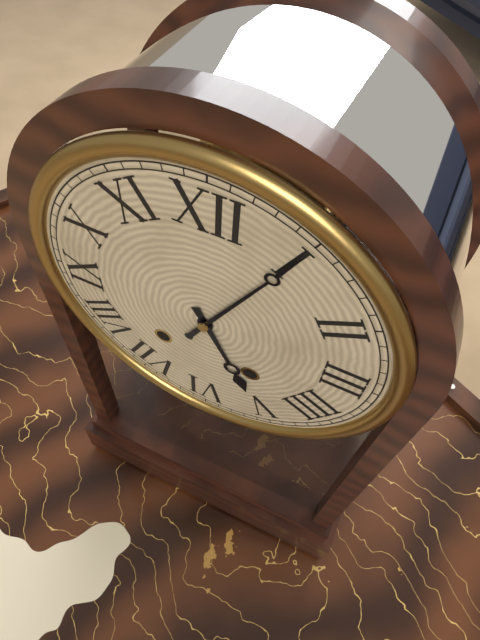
**5:05**
